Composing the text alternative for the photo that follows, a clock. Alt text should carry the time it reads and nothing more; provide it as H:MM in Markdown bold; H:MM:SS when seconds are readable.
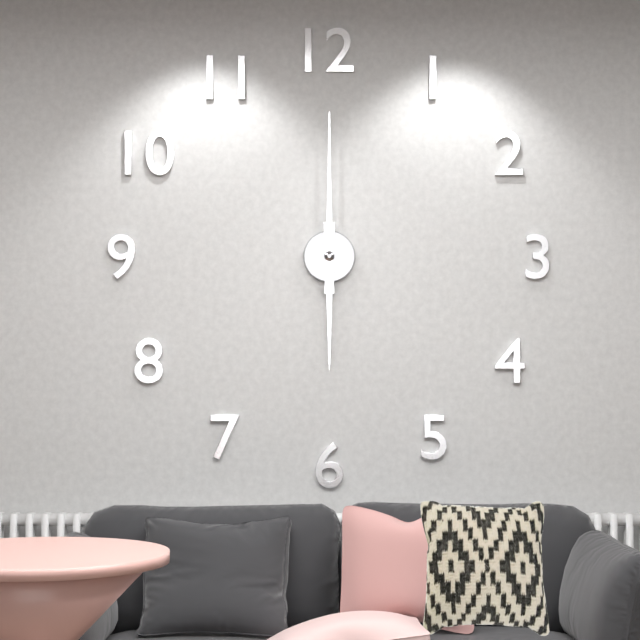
**6:00**
